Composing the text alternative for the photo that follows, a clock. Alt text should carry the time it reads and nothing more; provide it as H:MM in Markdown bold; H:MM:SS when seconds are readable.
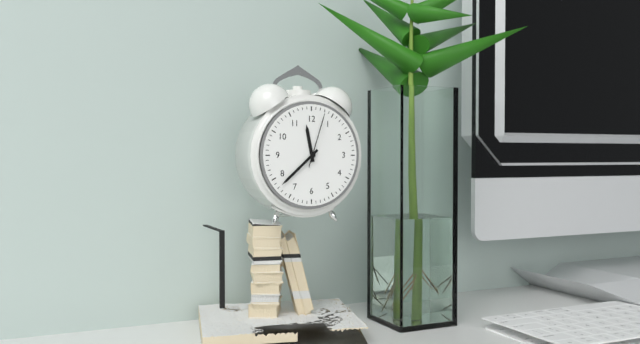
**11:38:03**
